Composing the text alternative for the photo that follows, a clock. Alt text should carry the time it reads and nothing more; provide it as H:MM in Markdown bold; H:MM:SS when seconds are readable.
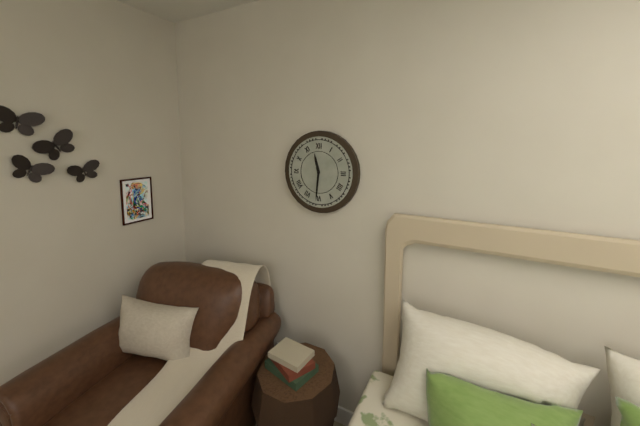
**11:31**
